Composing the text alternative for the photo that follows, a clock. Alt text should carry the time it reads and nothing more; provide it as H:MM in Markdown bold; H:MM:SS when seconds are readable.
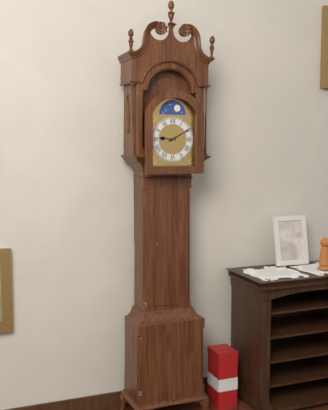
**9:10**
